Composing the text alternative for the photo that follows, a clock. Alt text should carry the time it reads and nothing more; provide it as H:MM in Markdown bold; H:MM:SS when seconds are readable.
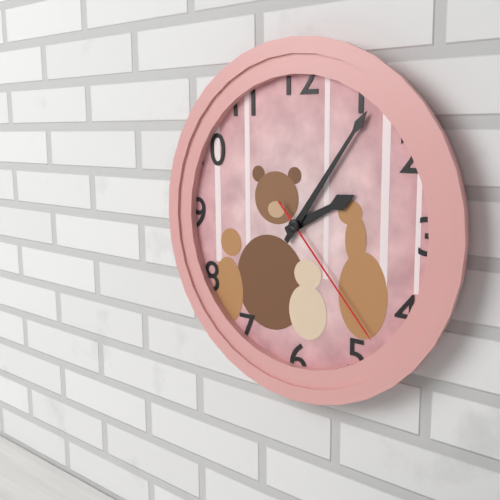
**2:06:23**
